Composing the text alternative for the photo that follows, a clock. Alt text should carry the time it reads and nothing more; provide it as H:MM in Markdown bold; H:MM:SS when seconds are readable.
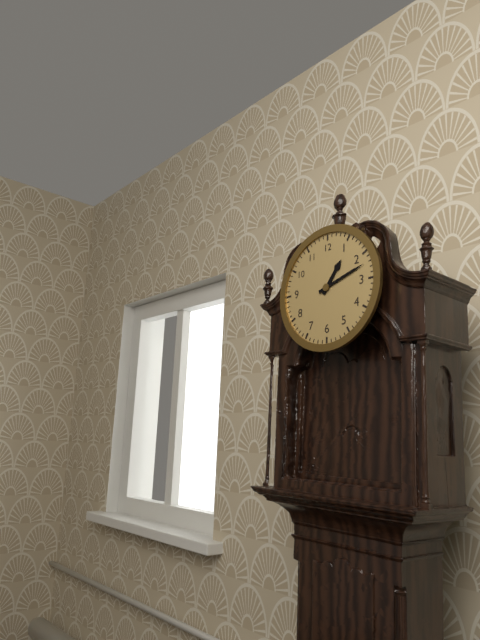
**1:12**
